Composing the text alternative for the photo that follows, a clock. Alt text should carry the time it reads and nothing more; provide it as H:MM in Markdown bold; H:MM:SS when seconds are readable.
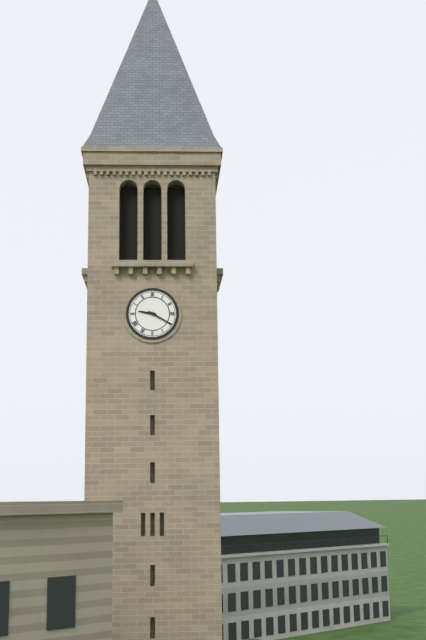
**9:20**
